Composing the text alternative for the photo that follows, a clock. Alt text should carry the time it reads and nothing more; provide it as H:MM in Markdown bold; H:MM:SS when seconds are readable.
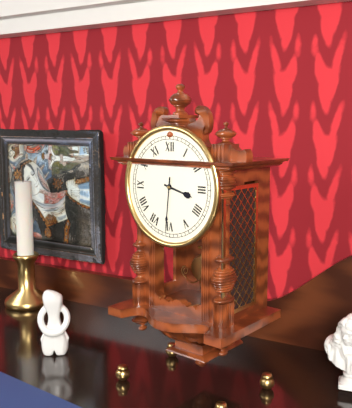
**3:31**
